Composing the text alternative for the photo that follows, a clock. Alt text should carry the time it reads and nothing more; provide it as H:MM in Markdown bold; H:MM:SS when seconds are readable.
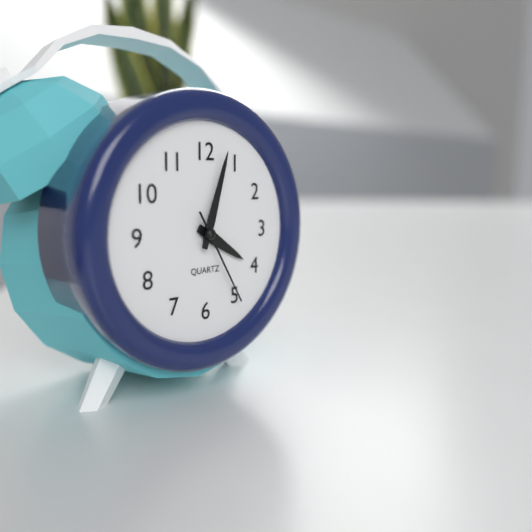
**4:03:25**
